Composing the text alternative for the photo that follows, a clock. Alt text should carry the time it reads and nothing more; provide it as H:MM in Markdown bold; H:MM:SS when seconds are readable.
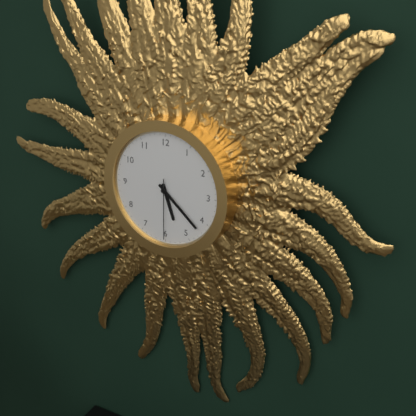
**5:22:30**
